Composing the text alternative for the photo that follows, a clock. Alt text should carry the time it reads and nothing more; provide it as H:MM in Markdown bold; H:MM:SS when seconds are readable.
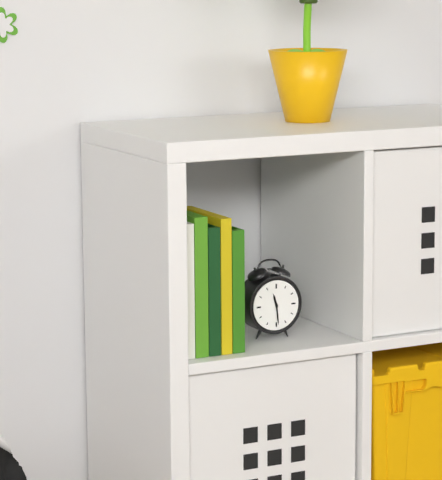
**11:29**
